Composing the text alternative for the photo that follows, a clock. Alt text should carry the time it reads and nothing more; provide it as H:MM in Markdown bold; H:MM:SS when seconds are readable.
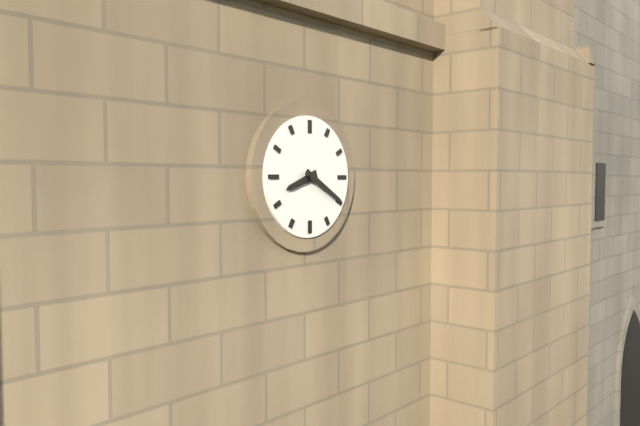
**8:20**
